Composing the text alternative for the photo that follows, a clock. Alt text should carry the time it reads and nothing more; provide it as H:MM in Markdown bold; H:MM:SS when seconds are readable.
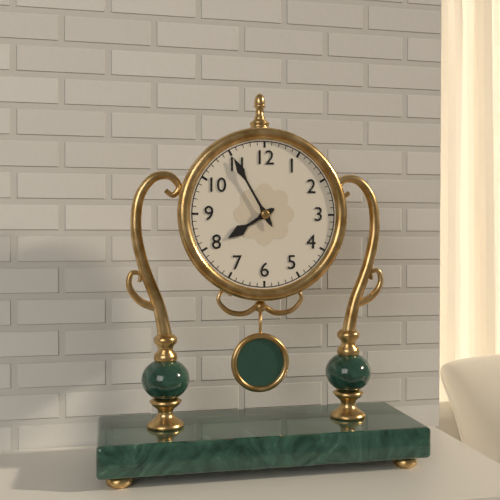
**7:55**
